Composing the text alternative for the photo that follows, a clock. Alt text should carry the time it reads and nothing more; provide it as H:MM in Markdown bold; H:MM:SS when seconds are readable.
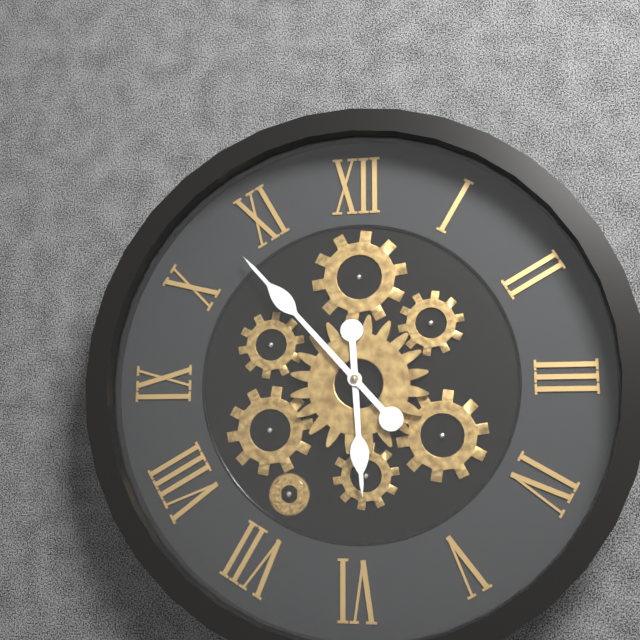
**5:53**
